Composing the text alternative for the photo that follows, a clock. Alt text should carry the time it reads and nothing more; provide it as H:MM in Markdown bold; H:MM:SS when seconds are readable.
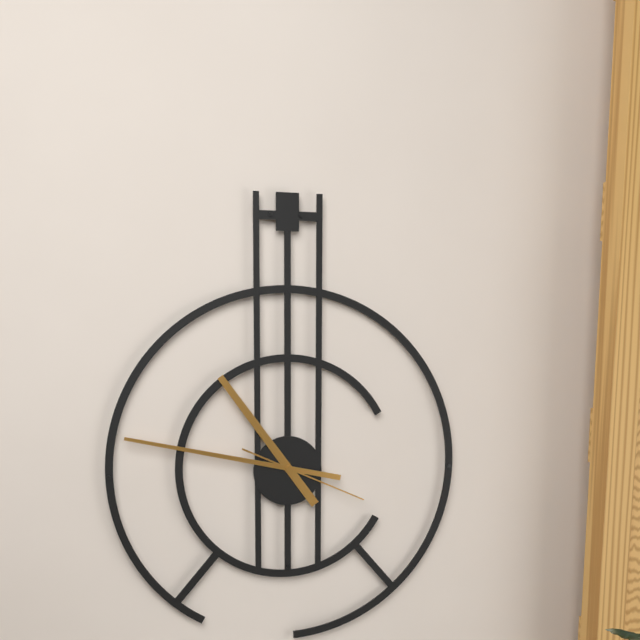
**10:47:19**
